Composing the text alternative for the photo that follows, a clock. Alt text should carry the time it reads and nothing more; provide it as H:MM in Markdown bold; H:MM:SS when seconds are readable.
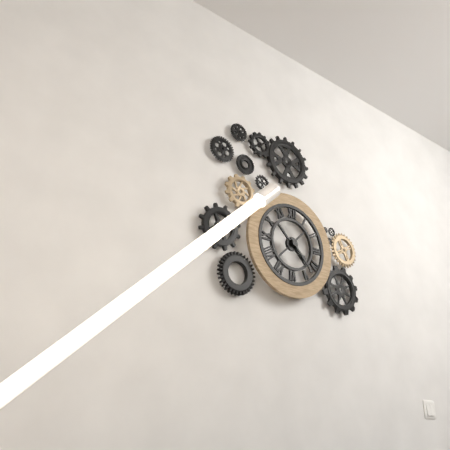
**4:23**
